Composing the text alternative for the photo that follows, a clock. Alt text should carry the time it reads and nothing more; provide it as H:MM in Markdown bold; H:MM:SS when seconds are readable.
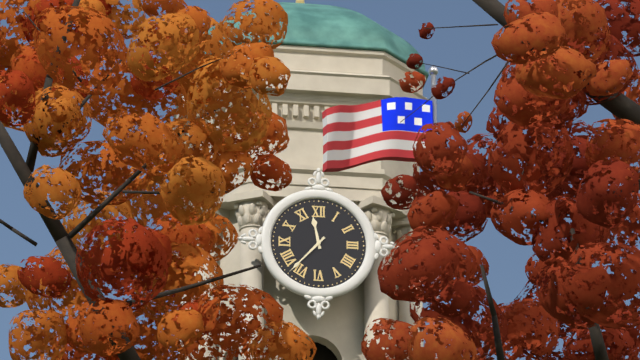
**11:37**
